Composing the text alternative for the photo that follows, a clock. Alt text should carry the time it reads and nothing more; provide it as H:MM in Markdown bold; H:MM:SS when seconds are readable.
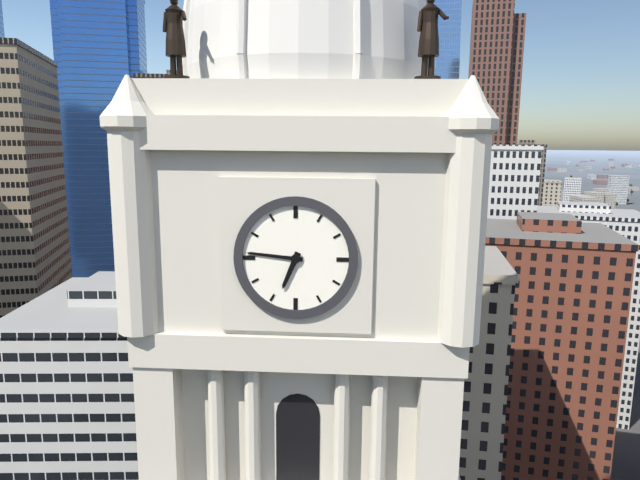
**6:46**
